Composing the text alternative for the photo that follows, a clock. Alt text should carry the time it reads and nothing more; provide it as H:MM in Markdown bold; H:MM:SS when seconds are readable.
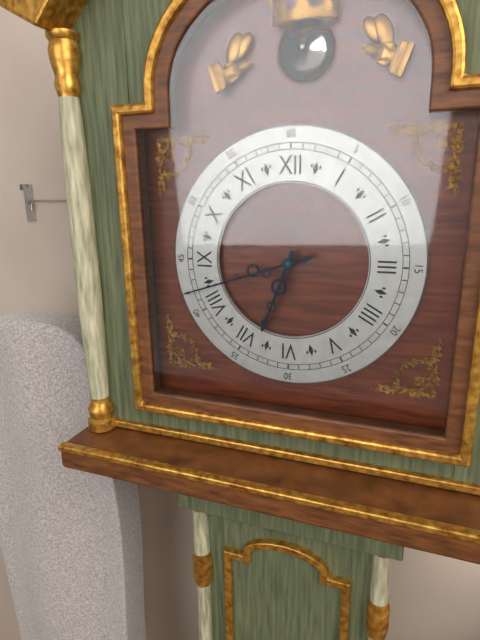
**6:42**
